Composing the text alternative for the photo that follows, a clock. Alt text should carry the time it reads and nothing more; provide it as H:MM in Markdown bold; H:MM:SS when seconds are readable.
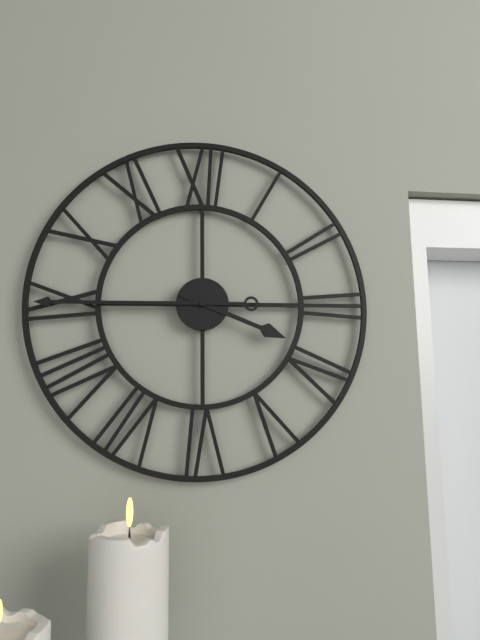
**3:45**
